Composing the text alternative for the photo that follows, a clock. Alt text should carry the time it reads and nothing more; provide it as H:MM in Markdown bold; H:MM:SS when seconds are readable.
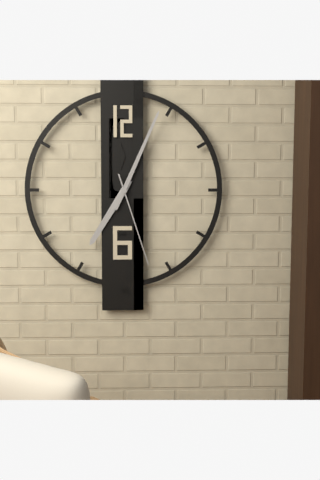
**7:04:27**
